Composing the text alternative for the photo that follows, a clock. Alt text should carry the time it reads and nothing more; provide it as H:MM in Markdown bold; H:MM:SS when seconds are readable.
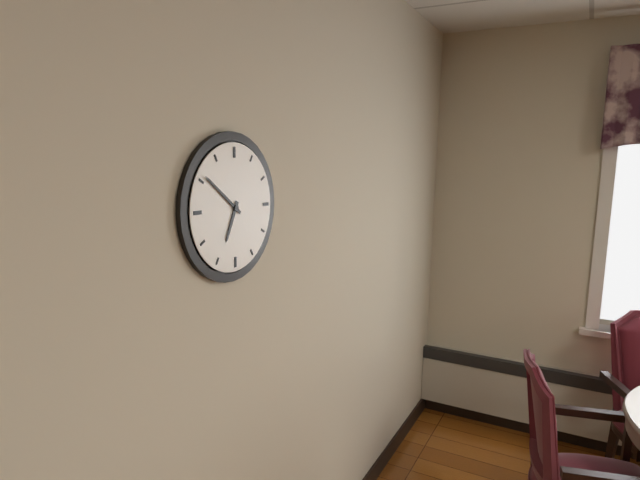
**6:51**
